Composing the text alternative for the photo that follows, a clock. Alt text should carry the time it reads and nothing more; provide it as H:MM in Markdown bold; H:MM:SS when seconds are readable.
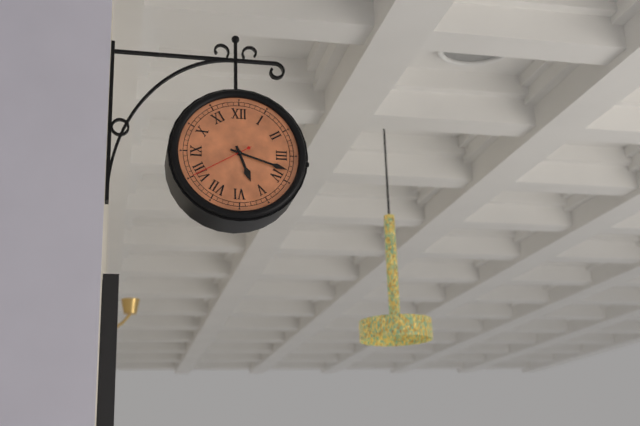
**5:18:40**
